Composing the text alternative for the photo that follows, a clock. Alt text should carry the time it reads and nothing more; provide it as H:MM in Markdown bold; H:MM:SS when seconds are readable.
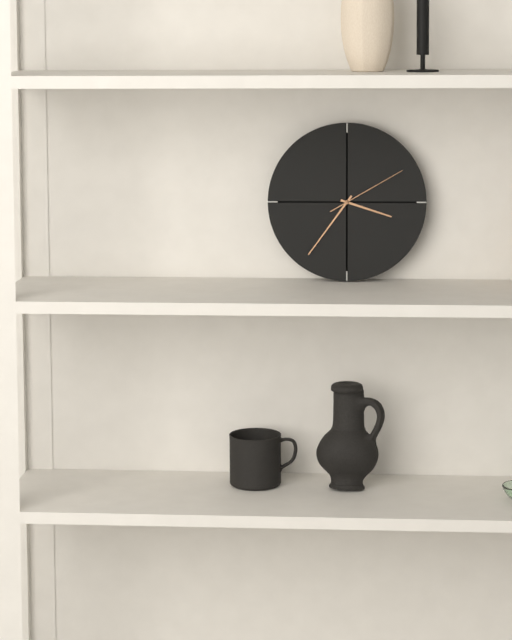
**3:36:10**
